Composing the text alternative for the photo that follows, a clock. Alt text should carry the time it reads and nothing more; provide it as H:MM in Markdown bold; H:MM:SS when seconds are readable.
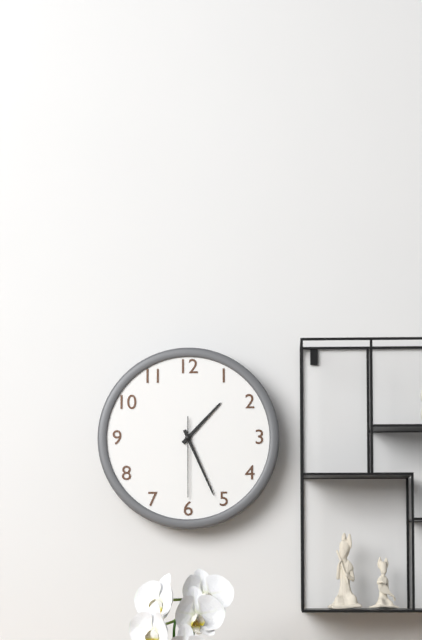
**1:26:30**
